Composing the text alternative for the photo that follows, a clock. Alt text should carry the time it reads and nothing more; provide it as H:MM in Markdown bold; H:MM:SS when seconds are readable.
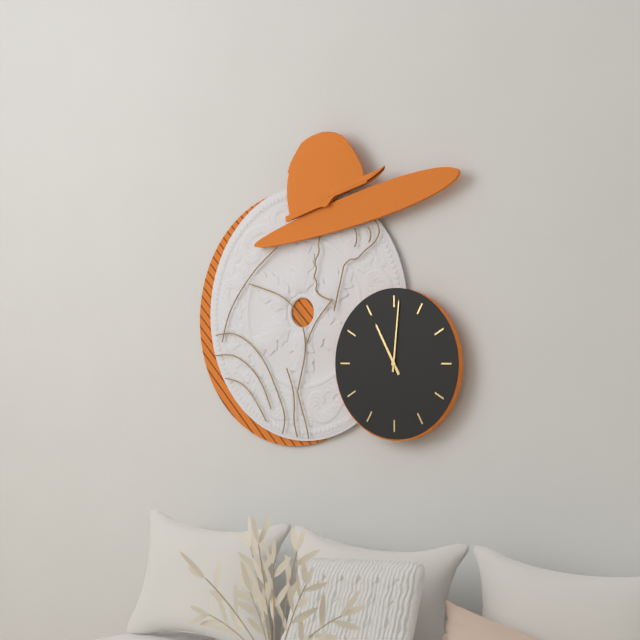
**11:01**
